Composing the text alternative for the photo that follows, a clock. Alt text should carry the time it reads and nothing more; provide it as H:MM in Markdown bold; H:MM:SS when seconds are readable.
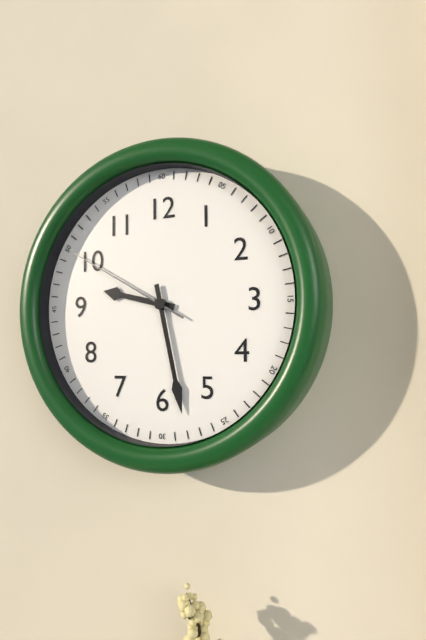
**9:28:50**
